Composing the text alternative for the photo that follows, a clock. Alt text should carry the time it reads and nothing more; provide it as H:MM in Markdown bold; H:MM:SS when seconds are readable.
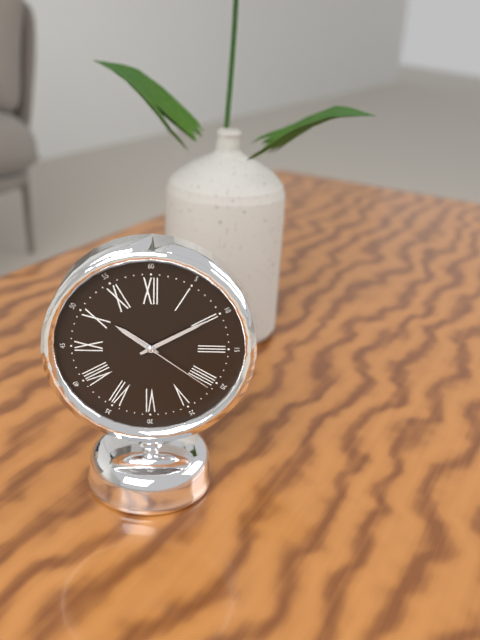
**10:10:21**
